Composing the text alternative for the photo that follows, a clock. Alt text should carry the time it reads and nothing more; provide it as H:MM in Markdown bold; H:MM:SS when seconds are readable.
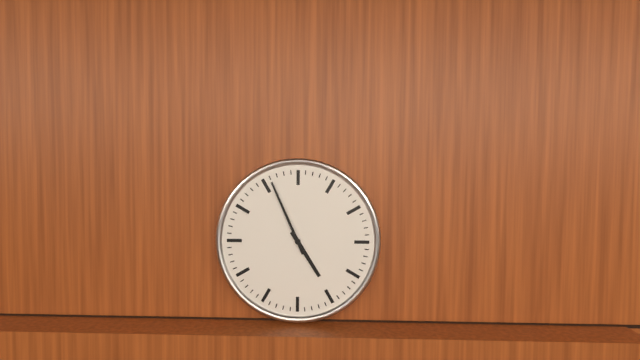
**4:56**
